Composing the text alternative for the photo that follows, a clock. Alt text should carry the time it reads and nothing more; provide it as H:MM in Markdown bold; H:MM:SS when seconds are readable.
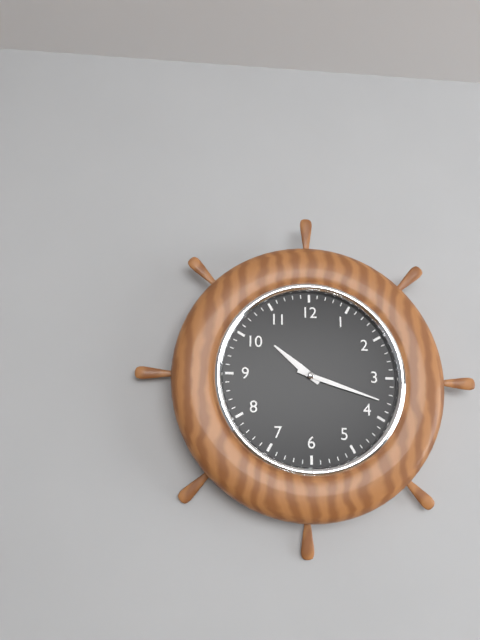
**10:18**
